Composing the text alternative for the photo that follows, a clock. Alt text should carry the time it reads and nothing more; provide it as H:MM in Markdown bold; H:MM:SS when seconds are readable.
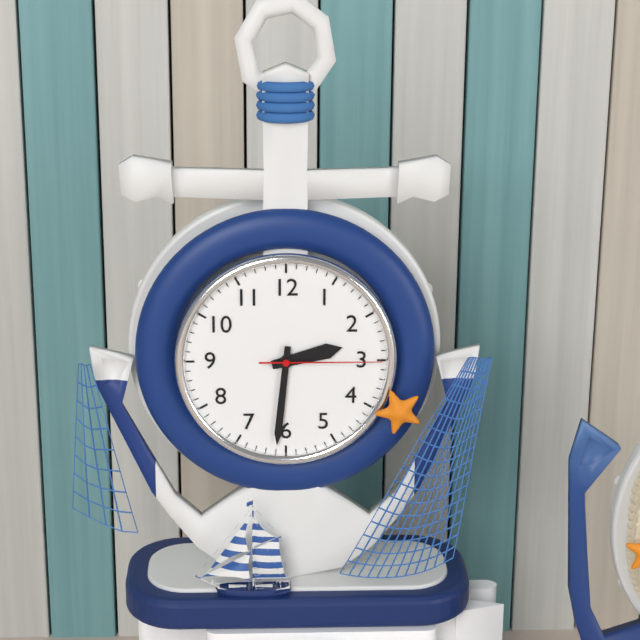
**2:31:15**
